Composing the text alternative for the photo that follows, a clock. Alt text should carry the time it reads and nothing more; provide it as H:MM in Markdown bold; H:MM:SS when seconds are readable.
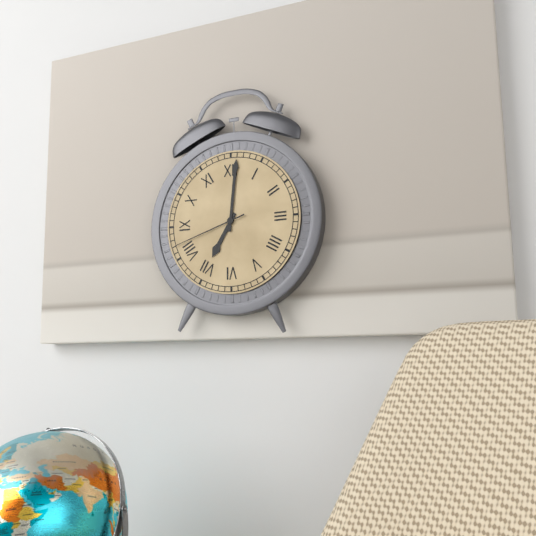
**7:01:42**
